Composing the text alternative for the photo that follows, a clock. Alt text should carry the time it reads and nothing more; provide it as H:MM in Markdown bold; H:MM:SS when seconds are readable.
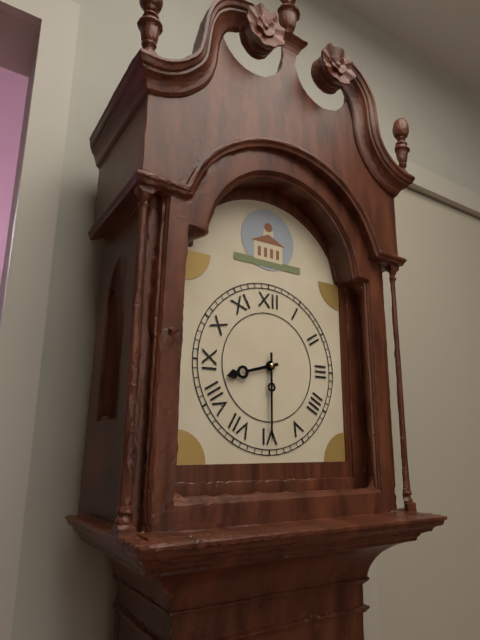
**8:30**
